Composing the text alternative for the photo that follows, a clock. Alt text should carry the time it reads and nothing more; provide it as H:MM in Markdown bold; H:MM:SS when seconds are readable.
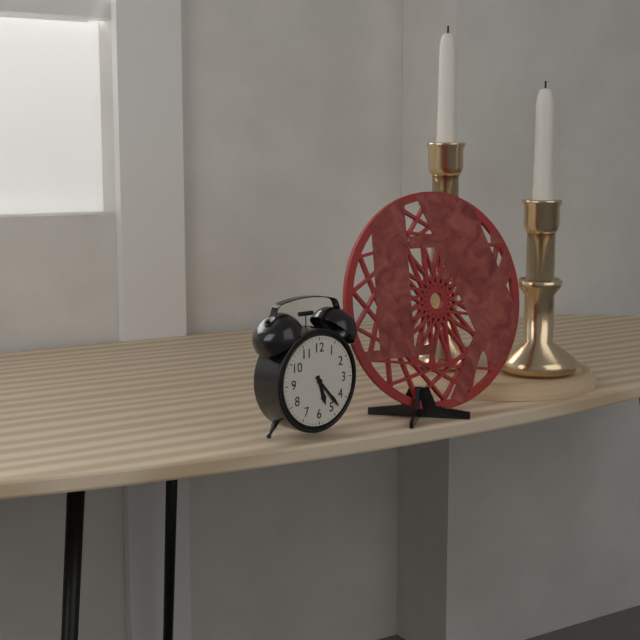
**5:23**
